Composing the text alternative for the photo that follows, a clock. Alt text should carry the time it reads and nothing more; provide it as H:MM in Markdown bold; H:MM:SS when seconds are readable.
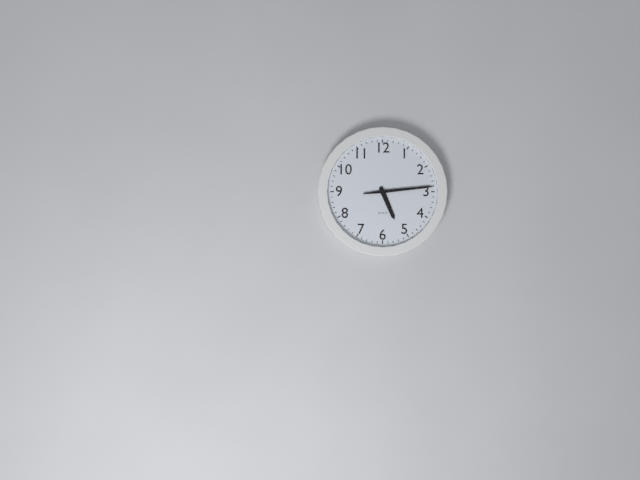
**5:14**
